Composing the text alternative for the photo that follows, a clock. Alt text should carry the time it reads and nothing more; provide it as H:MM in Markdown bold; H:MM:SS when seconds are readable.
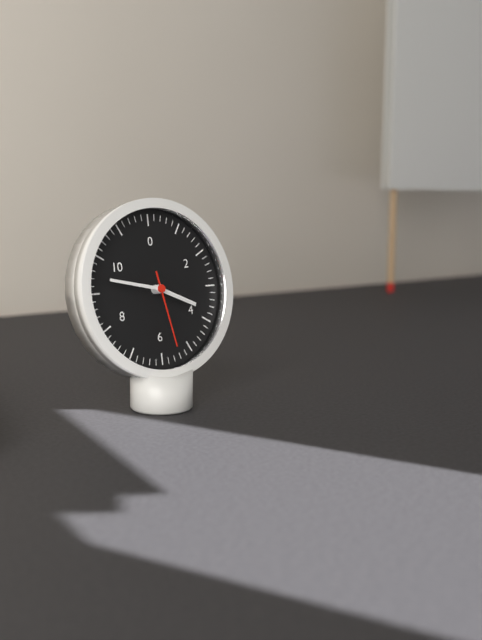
**3:47:28**
